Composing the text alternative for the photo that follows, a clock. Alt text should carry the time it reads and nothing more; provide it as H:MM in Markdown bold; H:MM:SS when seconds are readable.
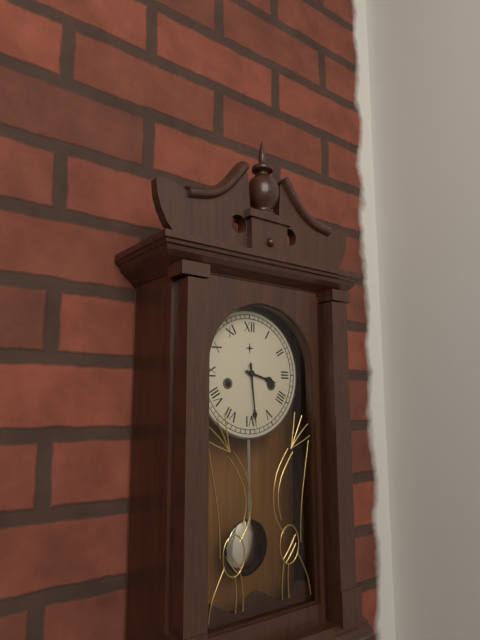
**3:29**
